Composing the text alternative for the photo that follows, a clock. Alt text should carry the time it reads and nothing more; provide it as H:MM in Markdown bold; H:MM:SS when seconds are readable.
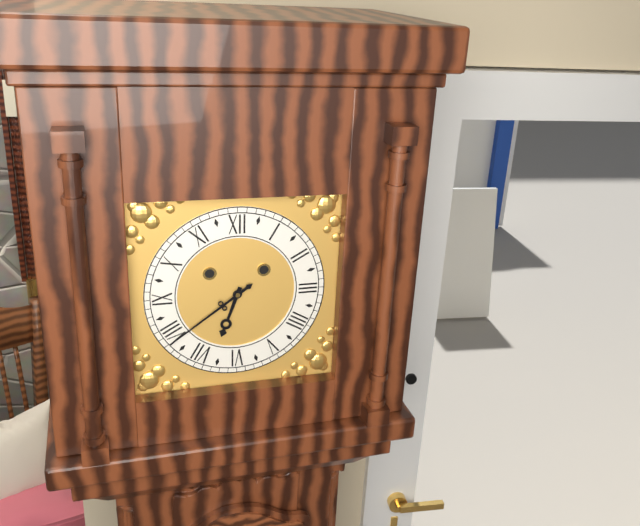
**6:39**
